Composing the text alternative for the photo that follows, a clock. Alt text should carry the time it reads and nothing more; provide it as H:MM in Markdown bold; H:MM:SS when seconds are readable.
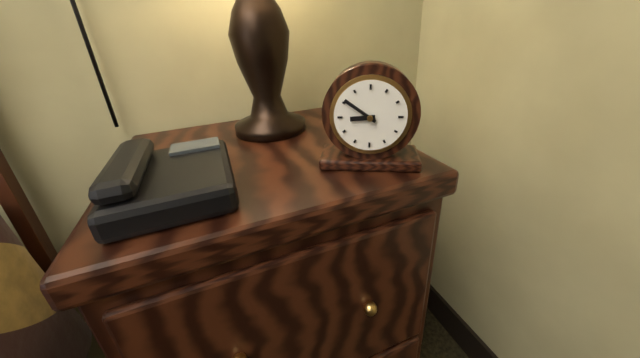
**8:51**
